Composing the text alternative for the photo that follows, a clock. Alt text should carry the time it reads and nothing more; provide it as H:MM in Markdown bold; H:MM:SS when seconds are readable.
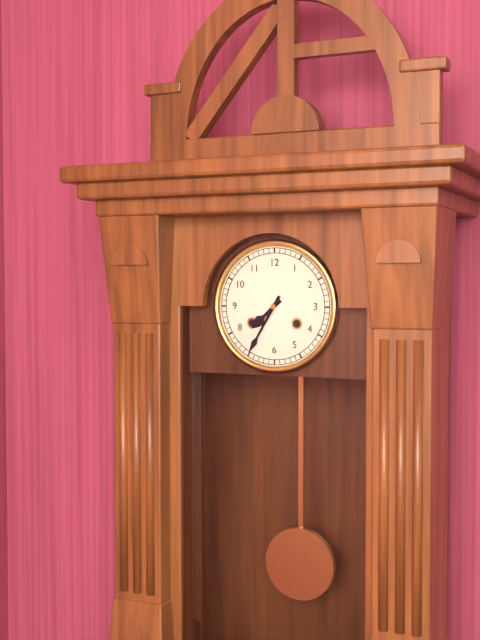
**7:35**
